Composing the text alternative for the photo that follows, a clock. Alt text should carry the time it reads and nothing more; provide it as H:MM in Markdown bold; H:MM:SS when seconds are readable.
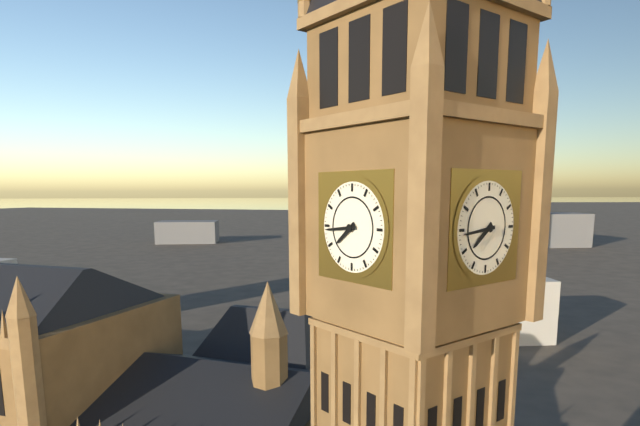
**7:44**
